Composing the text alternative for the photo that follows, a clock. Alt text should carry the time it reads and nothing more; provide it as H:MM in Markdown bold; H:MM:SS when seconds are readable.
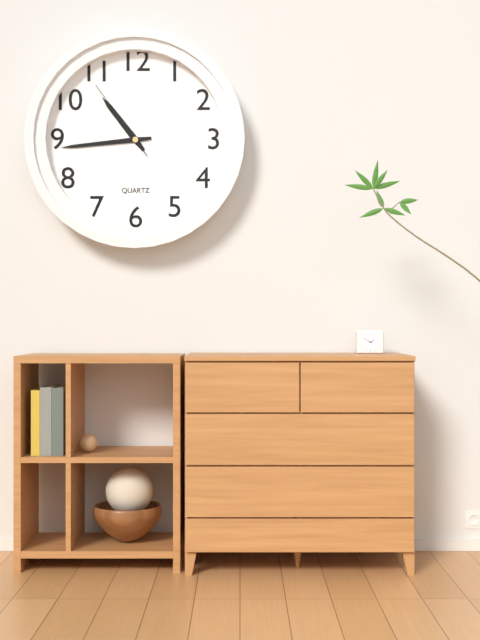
**10:44:54**
